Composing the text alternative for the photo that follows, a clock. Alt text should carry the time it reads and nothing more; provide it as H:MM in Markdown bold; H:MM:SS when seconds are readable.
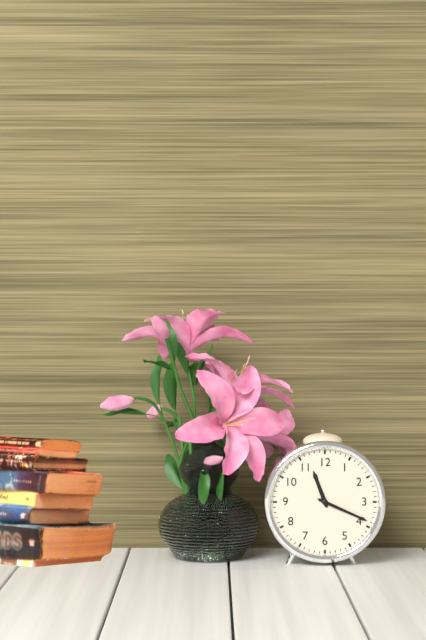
**11:19**
